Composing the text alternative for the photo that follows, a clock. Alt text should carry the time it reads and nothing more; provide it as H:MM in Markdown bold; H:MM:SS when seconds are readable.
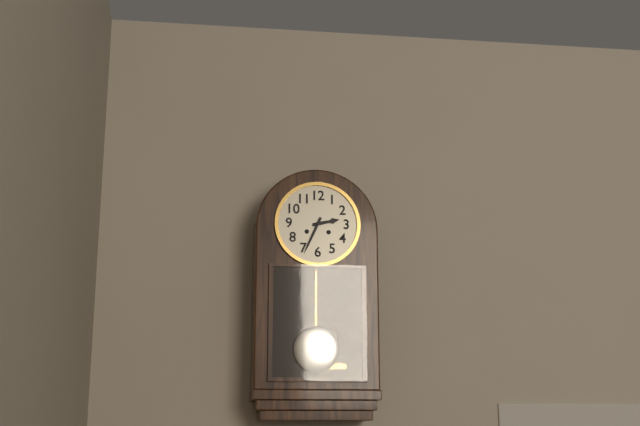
**2:34**
